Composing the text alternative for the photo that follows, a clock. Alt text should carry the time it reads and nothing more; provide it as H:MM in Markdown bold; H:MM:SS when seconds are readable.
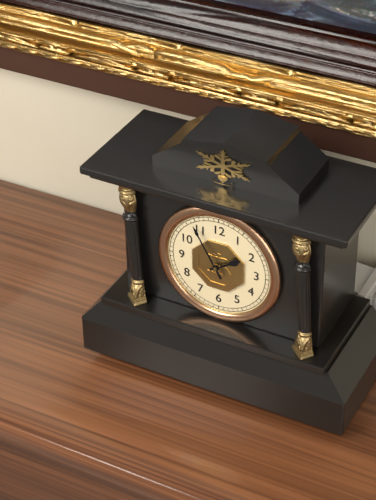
**1:55**
